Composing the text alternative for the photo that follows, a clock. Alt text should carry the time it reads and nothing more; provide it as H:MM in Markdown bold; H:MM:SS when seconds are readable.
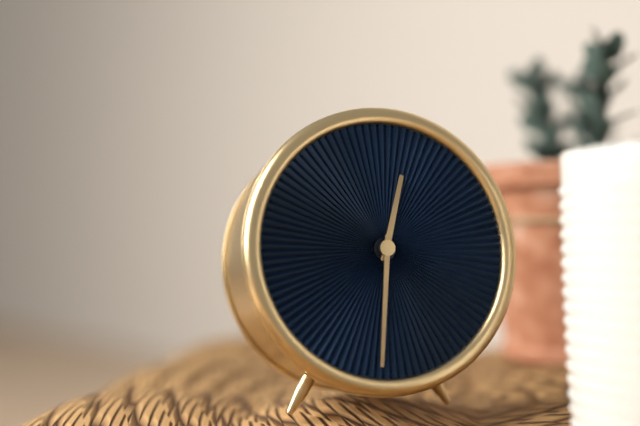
**12:31**
